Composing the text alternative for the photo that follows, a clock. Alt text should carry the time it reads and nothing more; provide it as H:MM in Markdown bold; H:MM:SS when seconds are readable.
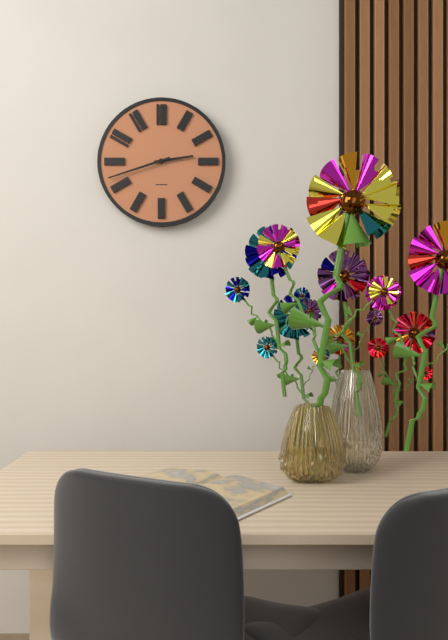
**2:42**
